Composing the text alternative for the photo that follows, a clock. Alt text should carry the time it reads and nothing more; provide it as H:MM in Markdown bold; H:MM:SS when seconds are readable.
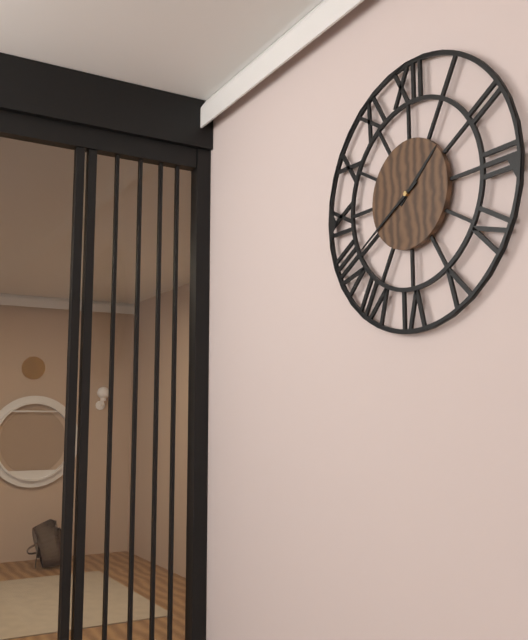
**1:40**
